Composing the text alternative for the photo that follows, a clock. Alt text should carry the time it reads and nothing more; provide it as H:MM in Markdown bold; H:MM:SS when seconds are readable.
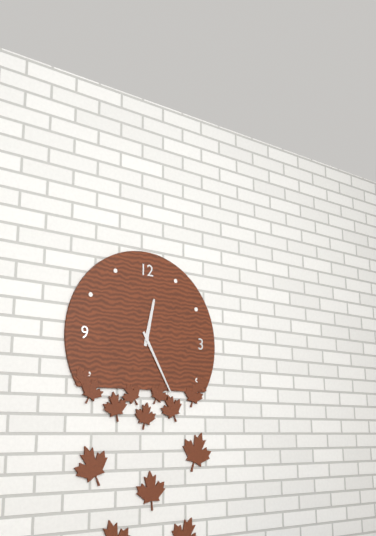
**12:25**
